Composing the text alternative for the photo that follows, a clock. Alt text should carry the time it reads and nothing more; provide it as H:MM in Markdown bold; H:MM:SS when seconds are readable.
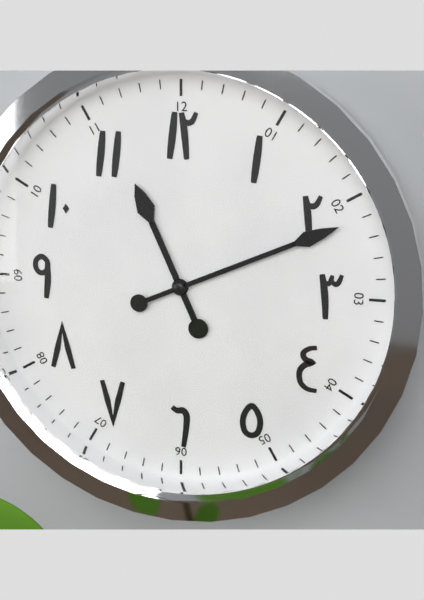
**11:11**
